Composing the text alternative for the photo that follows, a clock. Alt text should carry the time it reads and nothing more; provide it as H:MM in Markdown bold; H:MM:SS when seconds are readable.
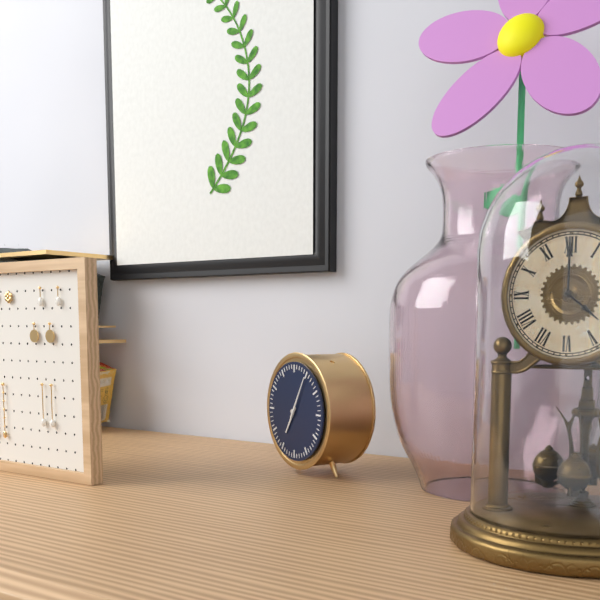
**7:05**
